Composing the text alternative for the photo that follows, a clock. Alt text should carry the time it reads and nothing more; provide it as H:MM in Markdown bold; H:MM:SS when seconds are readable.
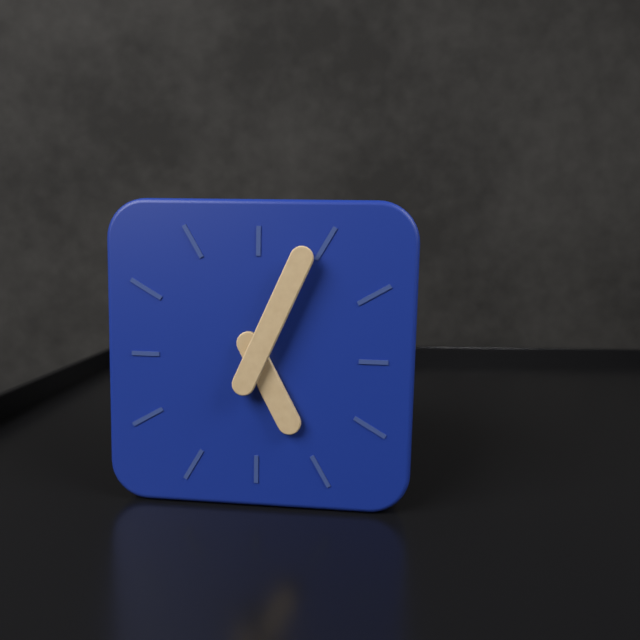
**5:04**
